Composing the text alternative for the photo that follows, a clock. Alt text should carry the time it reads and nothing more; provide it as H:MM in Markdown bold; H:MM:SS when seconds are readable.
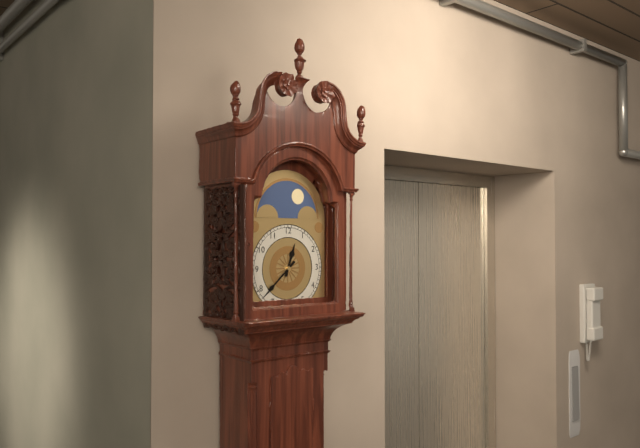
**12:38**
